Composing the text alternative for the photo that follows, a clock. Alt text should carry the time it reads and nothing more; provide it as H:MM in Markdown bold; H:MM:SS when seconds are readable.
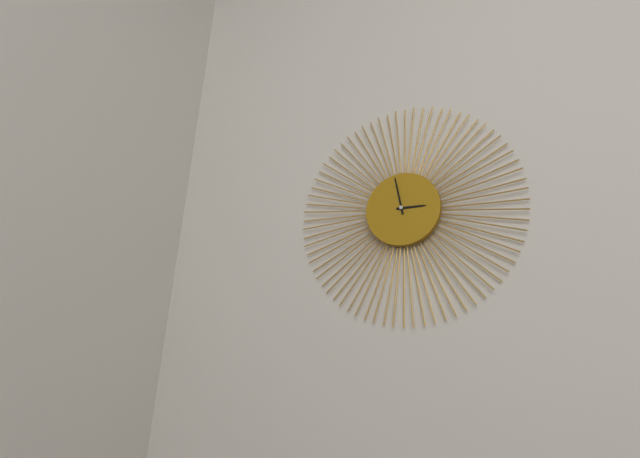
**2:58**
